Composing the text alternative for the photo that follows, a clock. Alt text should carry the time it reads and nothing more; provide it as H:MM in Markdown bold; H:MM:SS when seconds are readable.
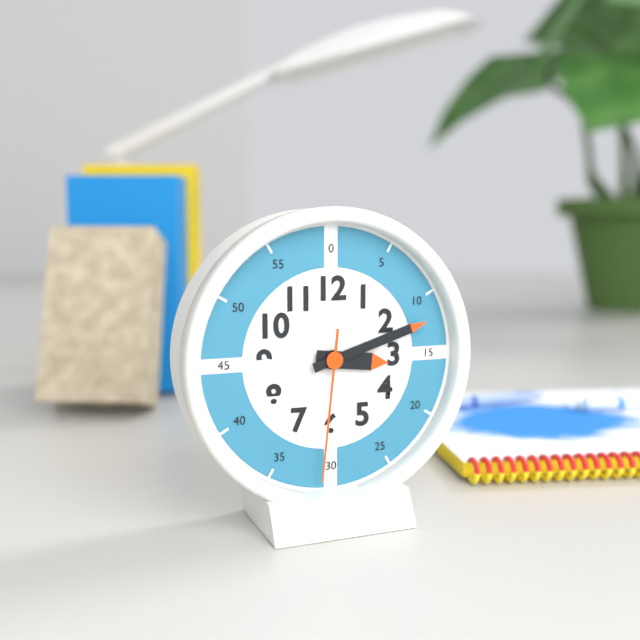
**3:12:31**
